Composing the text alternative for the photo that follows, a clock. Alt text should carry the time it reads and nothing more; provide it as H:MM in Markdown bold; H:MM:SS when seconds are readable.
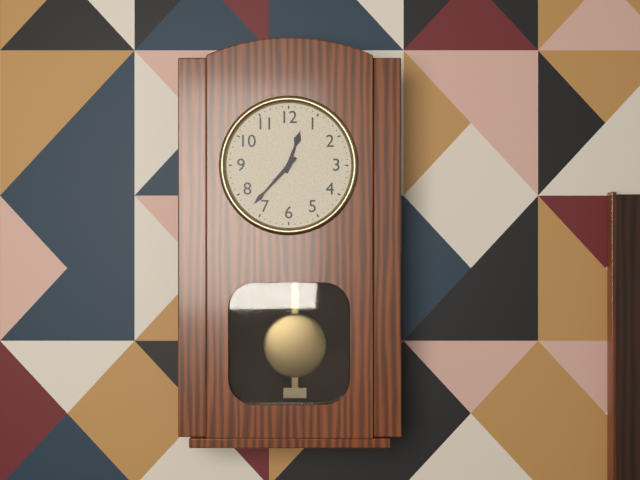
**12:37**
